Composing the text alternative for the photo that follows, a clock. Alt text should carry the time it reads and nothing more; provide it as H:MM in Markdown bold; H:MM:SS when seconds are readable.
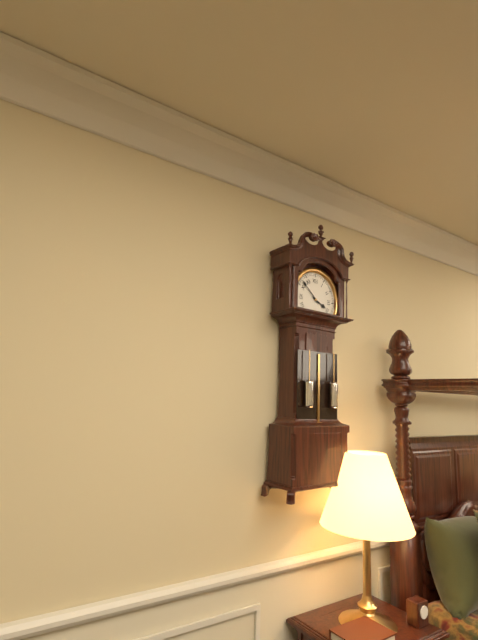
**3:52**
